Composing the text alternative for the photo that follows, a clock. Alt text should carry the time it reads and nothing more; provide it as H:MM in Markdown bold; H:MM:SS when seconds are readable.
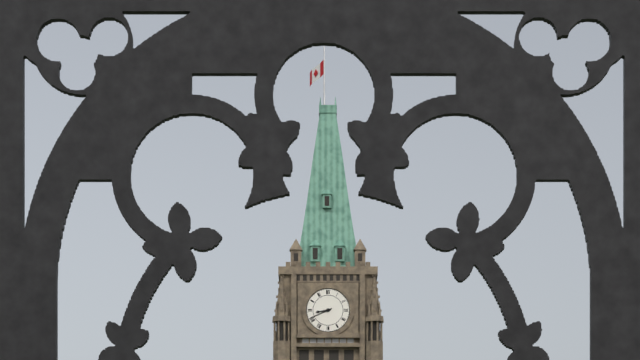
**8:41**
